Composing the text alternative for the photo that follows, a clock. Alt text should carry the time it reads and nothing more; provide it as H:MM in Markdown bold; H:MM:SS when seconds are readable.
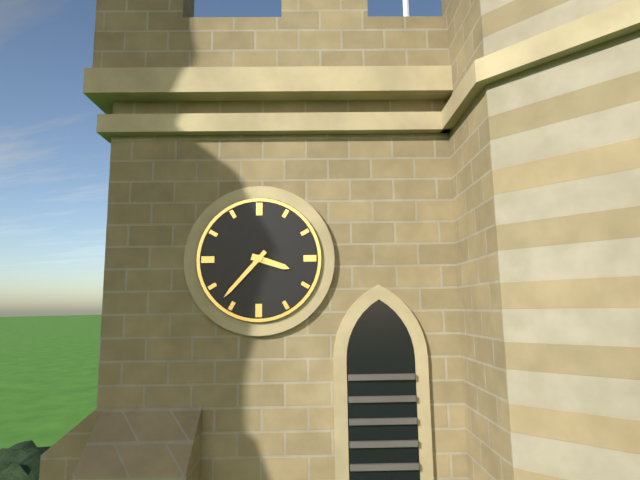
**3:37**
